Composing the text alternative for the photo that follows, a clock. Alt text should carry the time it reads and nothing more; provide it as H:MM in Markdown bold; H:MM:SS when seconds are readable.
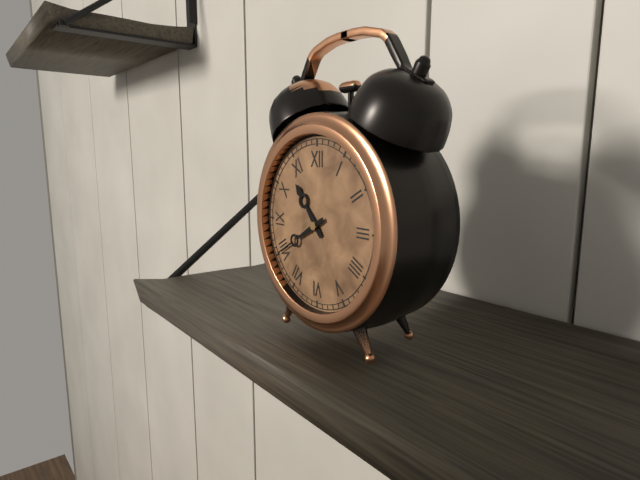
**10:40**
